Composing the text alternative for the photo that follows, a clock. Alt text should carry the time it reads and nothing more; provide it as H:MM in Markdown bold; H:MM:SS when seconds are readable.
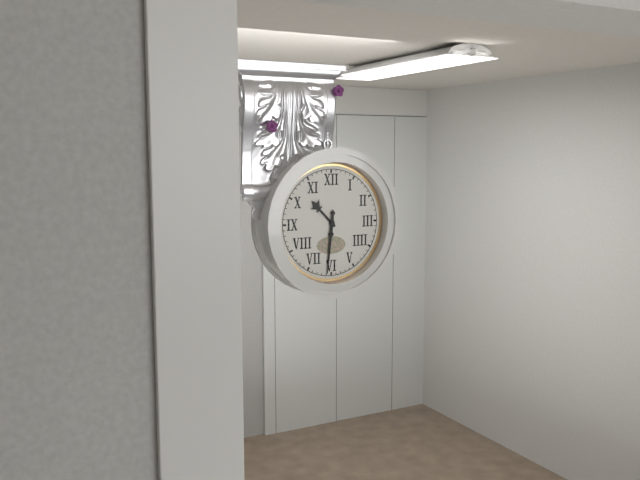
**10:31**
